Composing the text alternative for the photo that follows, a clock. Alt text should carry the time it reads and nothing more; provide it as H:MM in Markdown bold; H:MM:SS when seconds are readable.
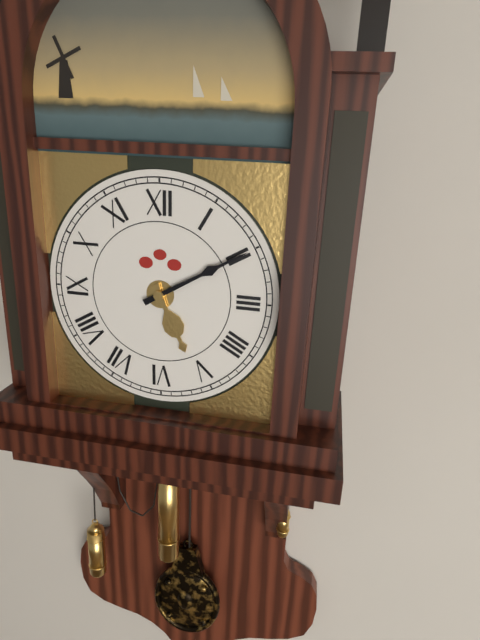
**5:10**
